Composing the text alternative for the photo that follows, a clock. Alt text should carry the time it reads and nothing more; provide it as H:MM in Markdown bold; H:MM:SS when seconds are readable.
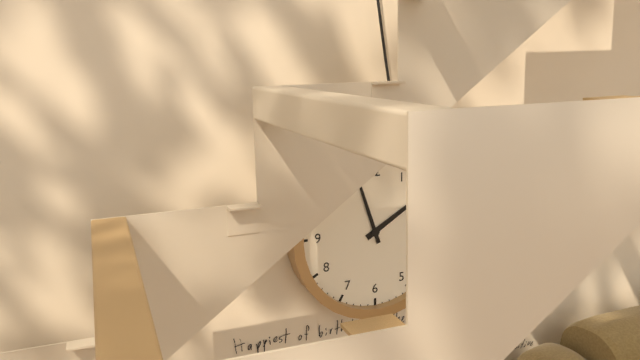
**1:57**
